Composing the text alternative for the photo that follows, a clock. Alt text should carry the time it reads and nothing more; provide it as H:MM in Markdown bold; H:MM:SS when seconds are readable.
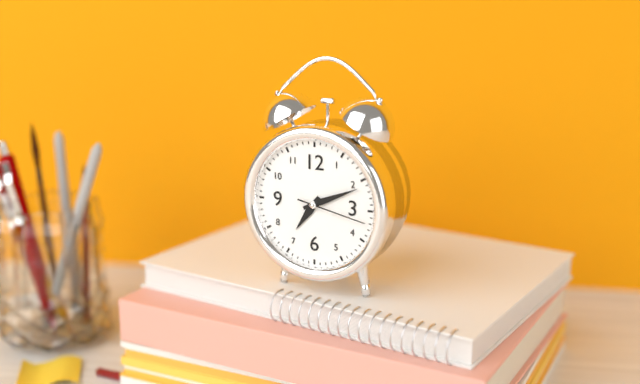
**7:11:17**
